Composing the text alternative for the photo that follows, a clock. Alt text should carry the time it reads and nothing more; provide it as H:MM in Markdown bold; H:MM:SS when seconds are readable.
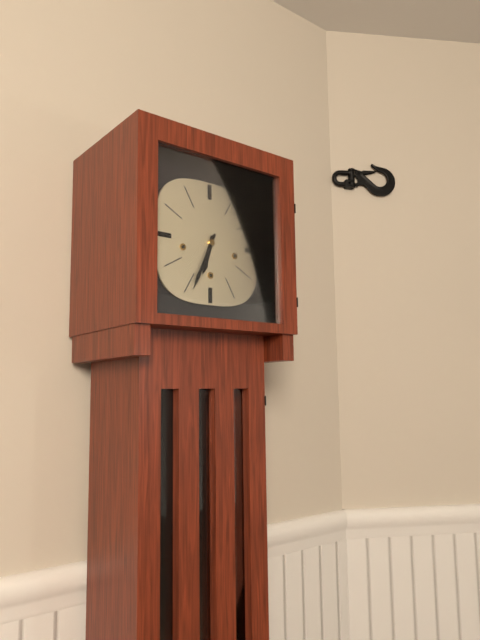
**6:34**
